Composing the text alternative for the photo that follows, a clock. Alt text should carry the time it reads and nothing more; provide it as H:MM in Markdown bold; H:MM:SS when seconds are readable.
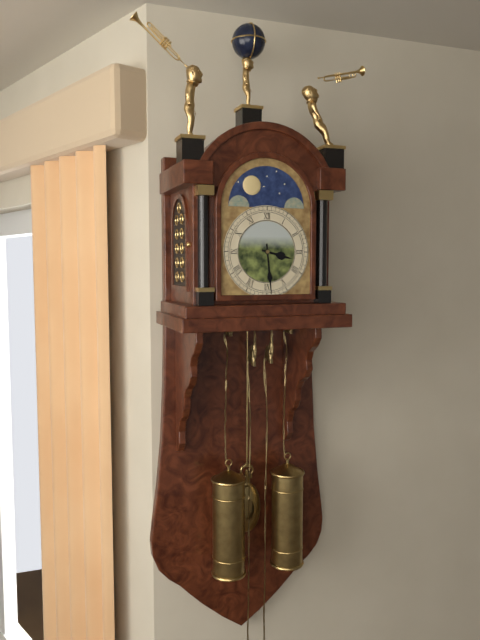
**3:29**
